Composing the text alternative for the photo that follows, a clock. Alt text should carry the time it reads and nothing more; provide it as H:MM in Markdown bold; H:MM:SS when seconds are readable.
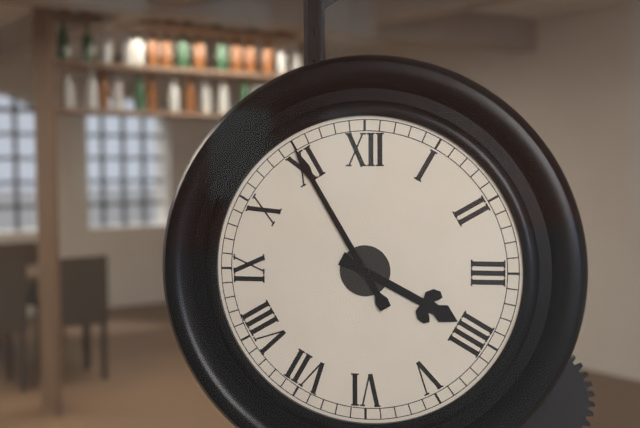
**3:55**
